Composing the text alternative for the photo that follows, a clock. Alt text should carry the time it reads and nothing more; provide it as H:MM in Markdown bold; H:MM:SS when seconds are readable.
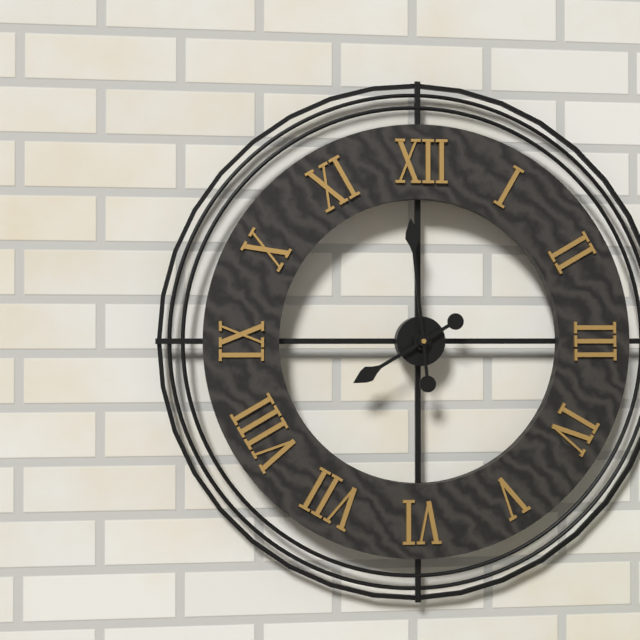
**7:59**
